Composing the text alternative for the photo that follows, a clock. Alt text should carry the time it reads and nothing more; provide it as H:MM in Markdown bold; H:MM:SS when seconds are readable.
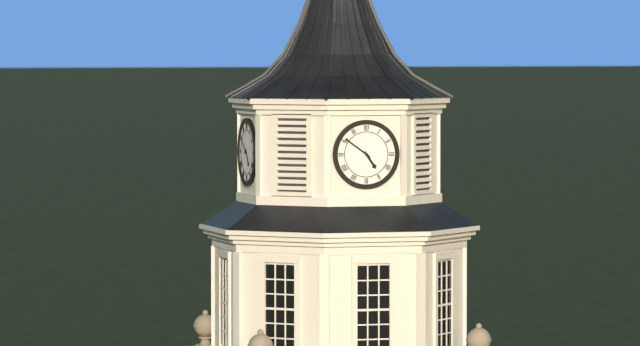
**4:51**
